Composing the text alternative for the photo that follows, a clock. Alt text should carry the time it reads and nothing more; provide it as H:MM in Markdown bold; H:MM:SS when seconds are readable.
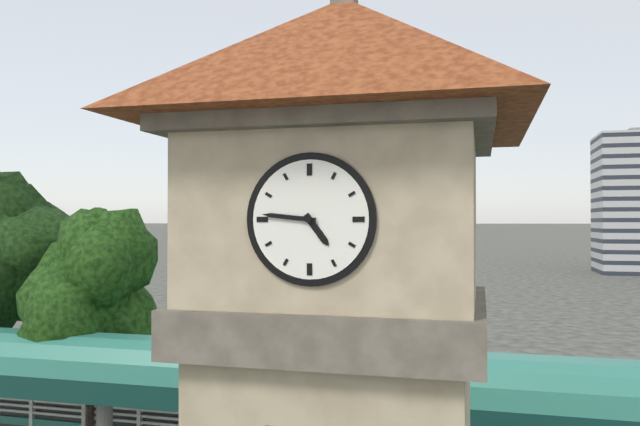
**4:46**
